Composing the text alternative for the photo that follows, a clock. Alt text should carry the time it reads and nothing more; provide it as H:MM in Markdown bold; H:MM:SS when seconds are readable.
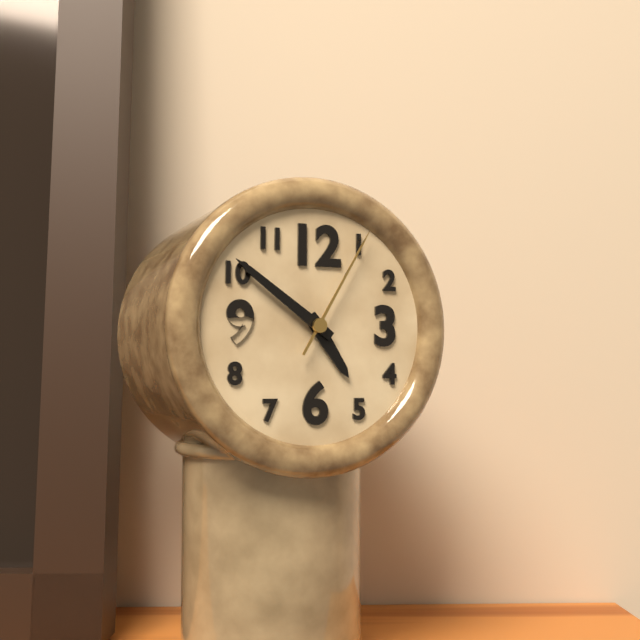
**4:51:05**
